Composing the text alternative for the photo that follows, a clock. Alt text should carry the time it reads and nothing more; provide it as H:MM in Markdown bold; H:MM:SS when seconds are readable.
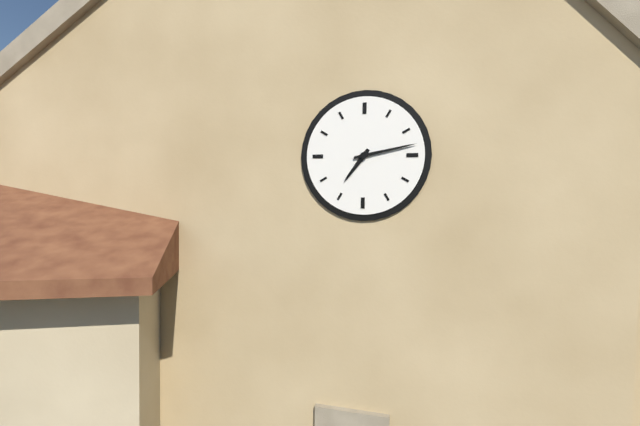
**7:13**
